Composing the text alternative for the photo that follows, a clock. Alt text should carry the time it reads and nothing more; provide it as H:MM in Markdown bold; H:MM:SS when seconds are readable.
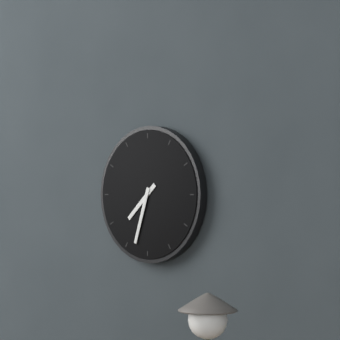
**7:33**
